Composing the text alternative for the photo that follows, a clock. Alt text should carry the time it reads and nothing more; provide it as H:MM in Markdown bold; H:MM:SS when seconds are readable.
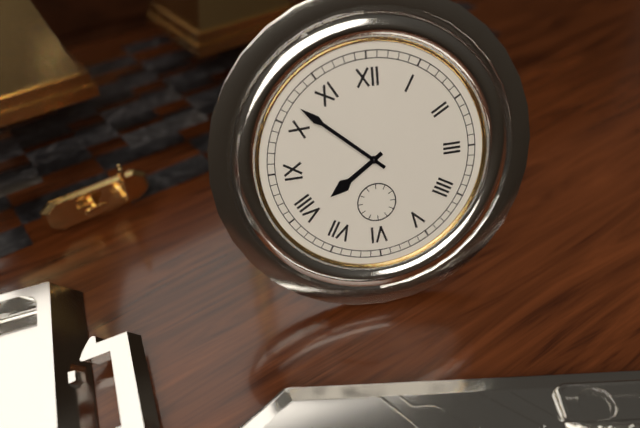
**7:52**
